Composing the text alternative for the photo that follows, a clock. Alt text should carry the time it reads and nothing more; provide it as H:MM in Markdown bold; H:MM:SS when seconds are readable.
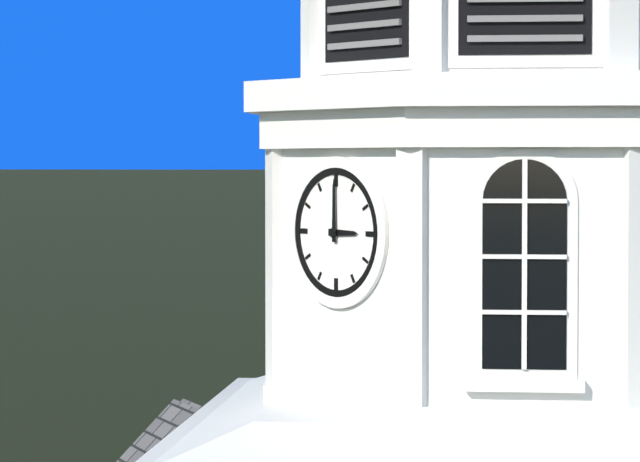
**3:00**
